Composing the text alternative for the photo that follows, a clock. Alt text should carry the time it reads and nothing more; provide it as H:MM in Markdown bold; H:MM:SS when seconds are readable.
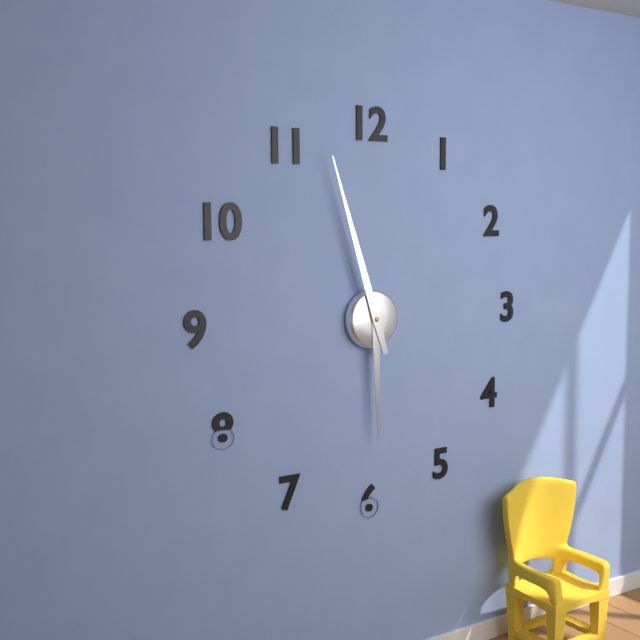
**5:57**
